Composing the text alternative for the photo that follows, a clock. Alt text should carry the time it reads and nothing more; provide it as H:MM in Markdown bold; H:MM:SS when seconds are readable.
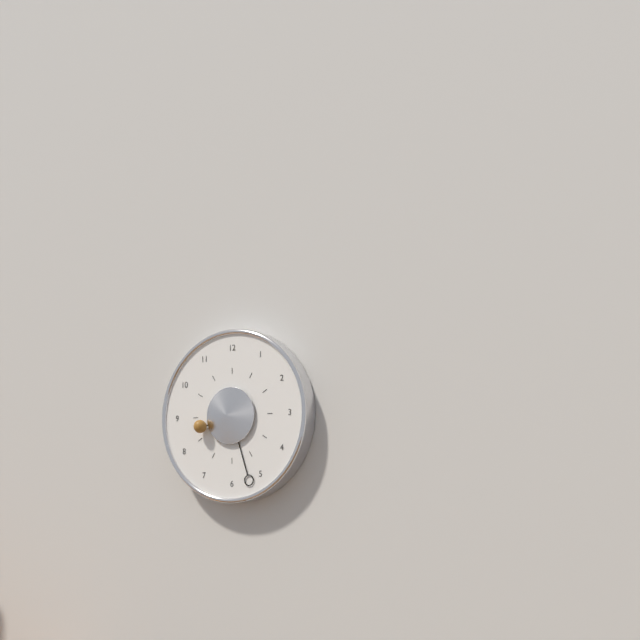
**8:27**
